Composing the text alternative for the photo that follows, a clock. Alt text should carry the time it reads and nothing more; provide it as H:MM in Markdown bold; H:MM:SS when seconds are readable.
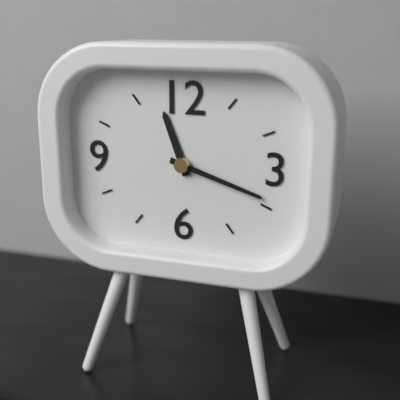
**11:18**
